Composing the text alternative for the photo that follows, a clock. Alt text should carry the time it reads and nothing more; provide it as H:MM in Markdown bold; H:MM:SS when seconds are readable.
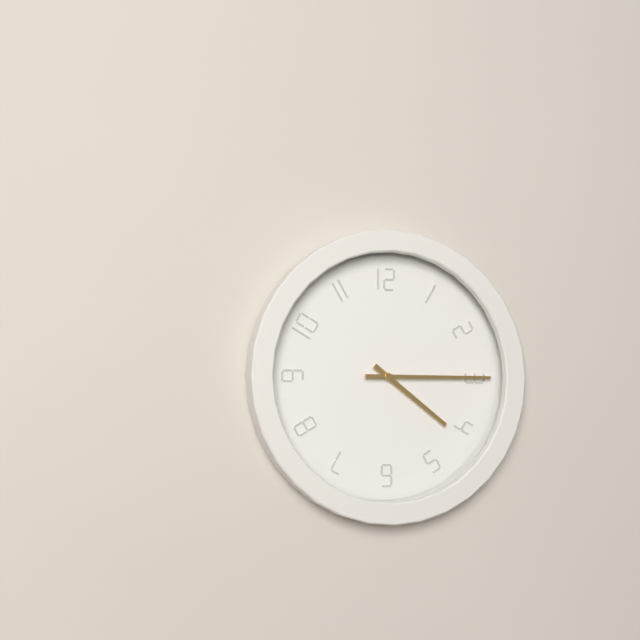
**4:15**
